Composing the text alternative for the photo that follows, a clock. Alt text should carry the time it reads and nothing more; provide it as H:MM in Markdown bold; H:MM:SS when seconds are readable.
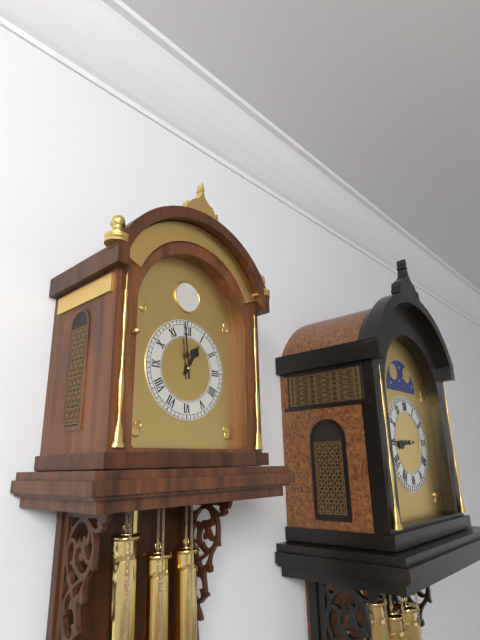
**12:59**
